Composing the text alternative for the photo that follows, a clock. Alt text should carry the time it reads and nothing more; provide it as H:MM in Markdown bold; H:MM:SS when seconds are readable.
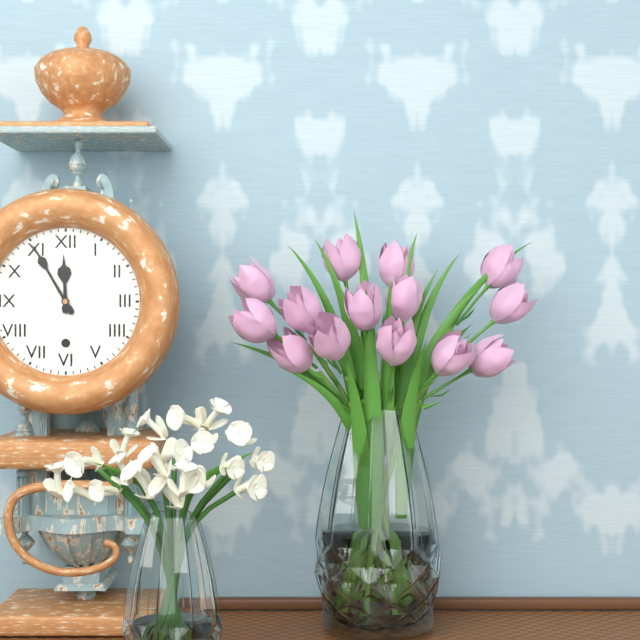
**11:55**
